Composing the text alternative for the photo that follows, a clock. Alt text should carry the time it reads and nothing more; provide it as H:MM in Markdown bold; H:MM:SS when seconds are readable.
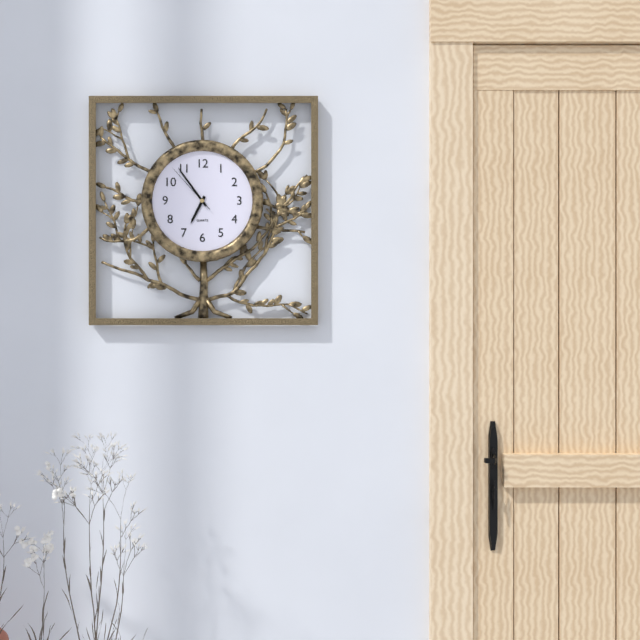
**6:54:53**
